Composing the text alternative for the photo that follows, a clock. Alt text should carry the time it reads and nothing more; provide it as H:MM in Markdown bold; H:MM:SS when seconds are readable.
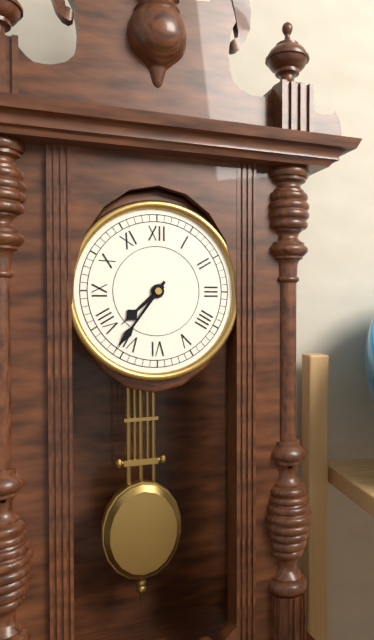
**7:36**
